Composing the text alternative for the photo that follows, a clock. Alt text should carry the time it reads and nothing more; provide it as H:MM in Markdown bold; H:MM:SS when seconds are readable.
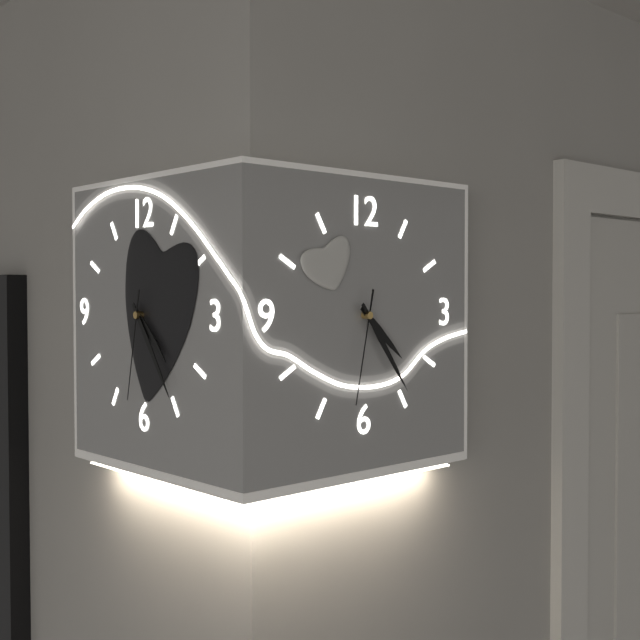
**4:24:32**
